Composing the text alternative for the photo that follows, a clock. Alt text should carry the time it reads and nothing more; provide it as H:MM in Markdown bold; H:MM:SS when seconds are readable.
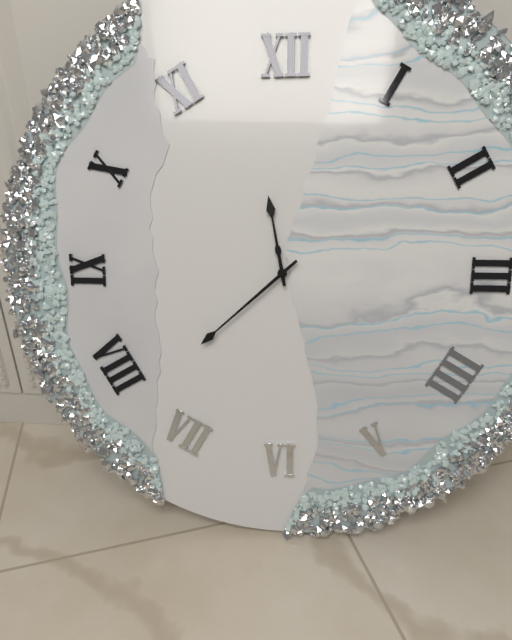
**11:38**
